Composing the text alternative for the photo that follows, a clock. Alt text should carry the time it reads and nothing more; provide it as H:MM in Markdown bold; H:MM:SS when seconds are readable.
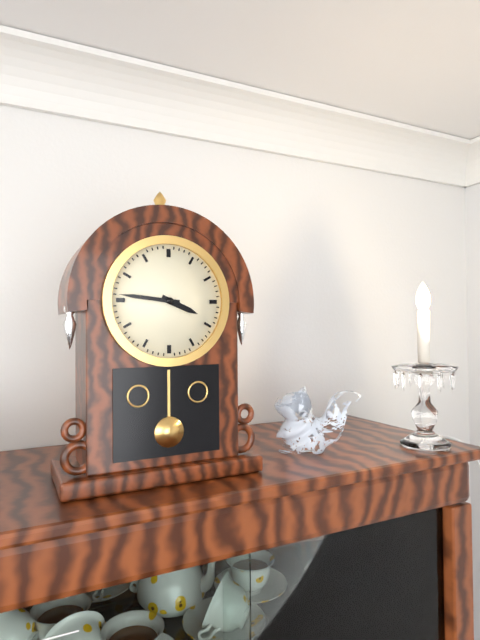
**3:46**
